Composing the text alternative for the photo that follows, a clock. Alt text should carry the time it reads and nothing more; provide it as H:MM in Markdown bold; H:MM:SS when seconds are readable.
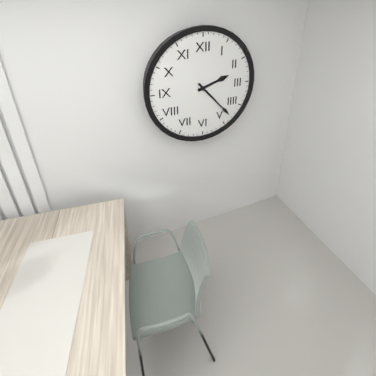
**2:23**
